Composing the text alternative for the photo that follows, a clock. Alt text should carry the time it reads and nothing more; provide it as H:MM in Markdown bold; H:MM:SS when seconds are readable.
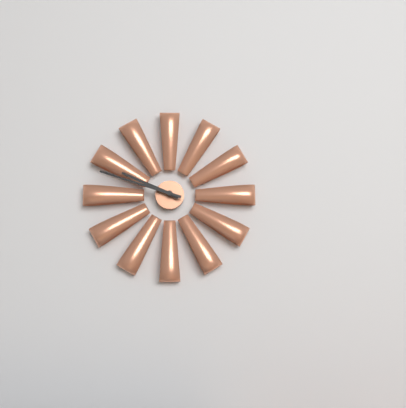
**9:48**
